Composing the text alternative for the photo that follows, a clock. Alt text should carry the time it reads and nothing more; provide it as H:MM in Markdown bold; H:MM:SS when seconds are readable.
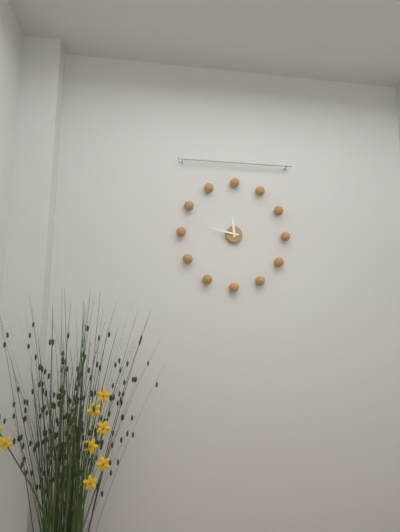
**11:47**
